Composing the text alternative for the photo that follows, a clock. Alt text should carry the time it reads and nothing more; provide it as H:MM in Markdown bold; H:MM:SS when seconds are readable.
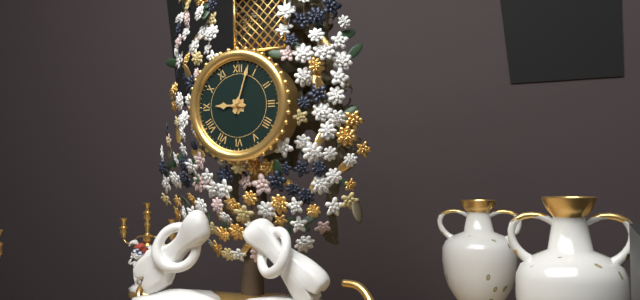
**9:03**
